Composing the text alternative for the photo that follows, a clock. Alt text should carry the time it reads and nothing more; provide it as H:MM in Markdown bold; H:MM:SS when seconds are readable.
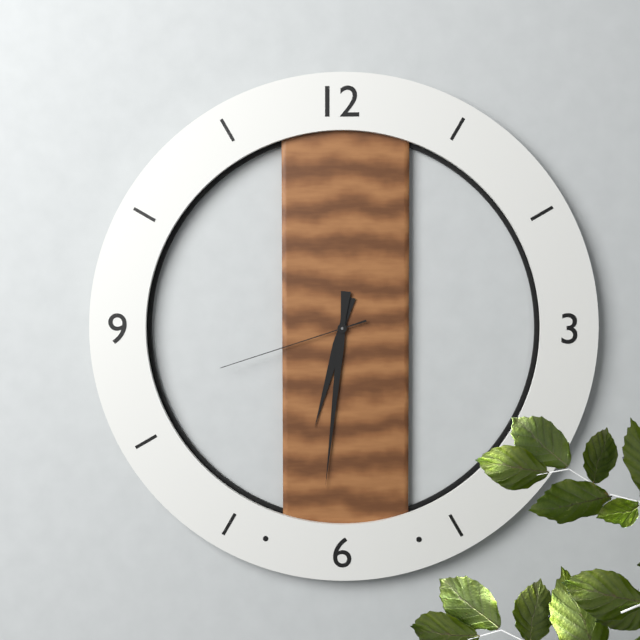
**6:31:42**
